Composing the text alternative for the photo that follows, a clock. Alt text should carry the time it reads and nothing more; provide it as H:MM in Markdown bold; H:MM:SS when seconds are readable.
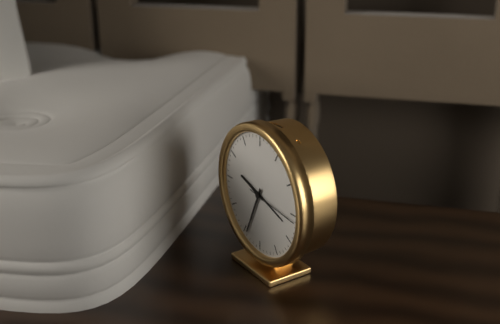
**9:34:16**
